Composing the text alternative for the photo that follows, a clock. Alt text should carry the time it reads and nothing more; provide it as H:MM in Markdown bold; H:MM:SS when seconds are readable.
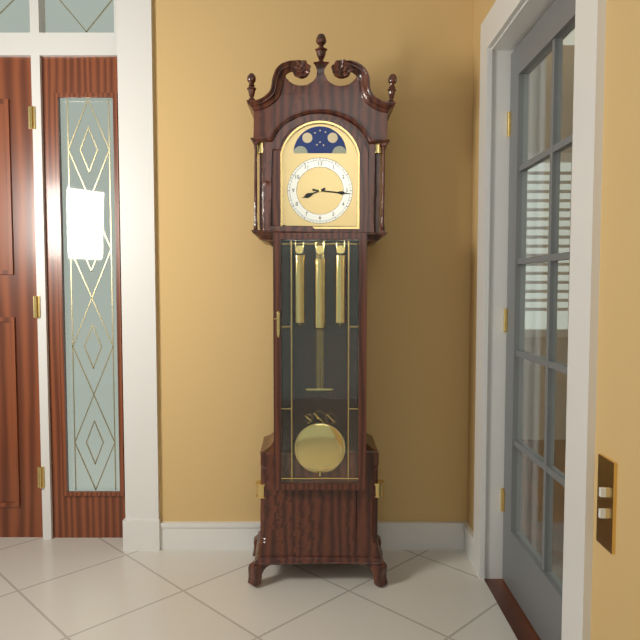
**8:16**
